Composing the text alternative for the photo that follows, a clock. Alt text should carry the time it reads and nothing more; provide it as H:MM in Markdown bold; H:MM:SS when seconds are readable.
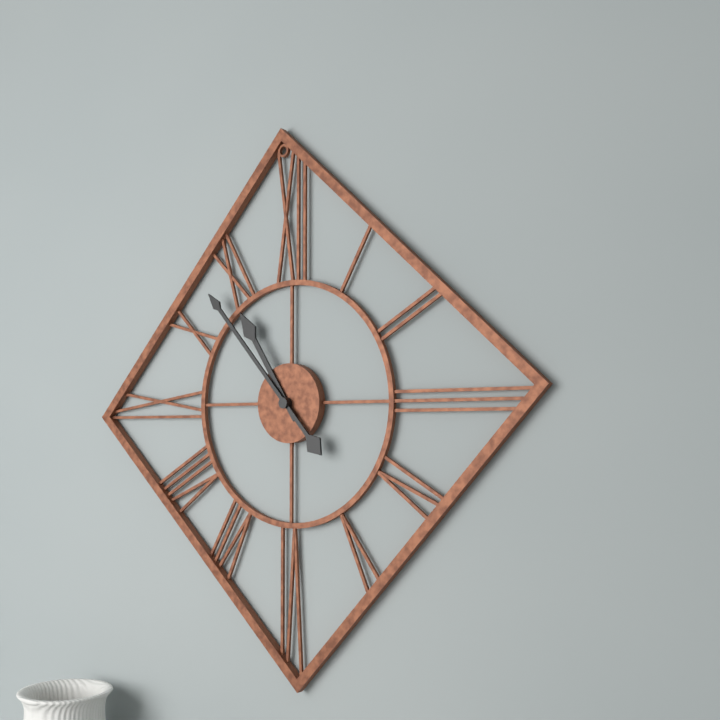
**10:53**
